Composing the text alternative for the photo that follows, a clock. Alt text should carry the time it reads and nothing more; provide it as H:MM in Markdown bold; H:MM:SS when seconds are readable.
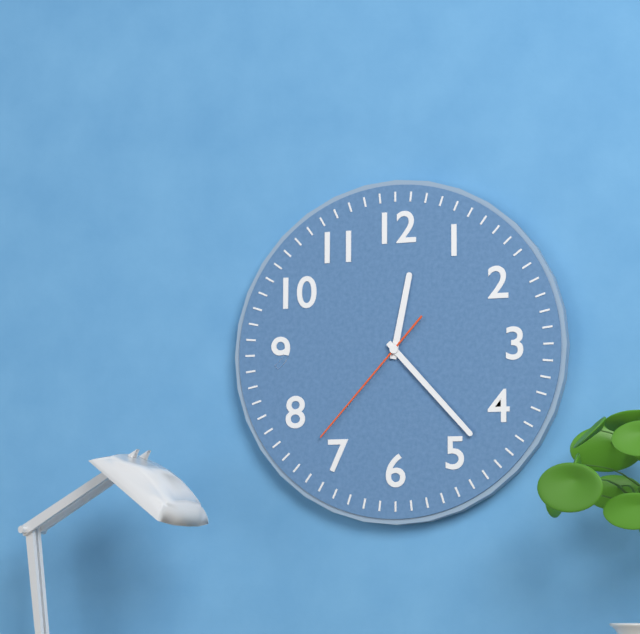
**12:23:37**
